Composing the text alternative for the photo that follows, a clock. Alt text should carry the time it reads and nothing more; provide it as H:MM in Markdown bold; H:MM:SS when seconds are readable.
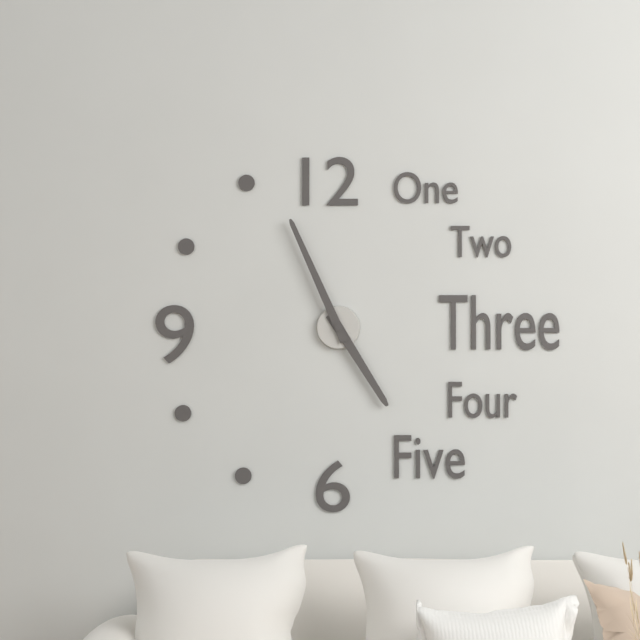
**4:56**
